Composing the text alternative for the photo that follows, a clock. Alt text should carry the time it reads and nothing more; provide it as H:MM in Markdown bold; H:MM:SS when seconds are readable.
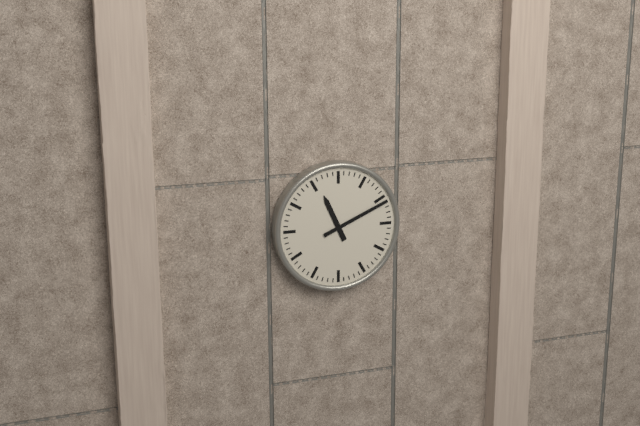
**11:11**
